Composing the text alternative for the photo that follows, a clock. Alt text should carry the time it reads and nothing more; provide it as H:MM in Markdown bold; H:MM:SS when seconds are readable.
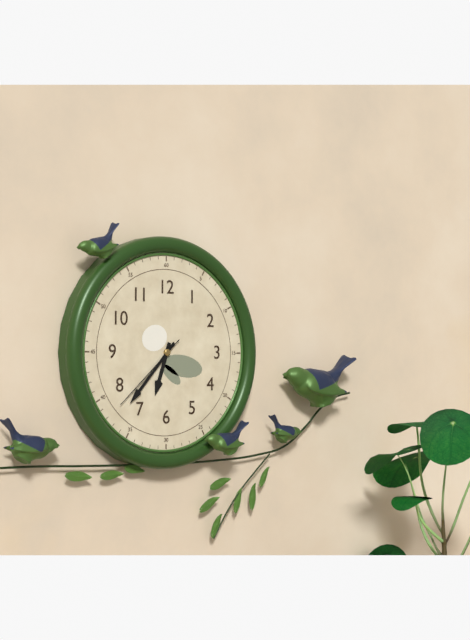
**6:37:38**
